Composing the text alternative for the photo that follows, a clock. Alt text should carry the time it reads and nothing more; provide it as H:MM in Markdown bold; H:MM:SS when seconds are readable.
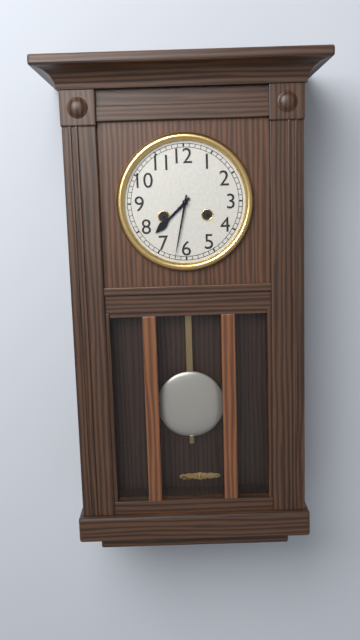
**7:32**
